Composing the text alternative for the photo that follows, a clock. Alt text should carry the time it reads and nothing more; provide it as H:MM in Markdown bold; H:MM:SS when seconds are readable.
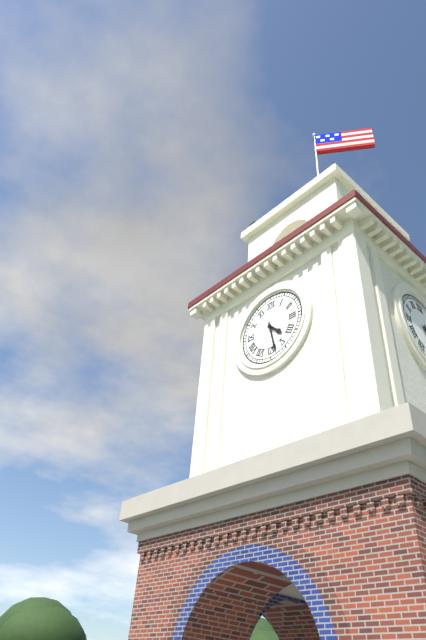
**4:28**
